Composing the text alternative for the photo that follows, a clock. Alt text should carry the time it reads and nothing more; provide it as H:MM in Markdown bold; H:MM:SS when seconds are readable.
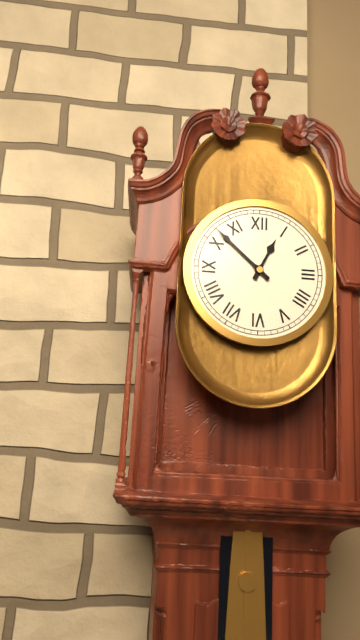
**12:52**
